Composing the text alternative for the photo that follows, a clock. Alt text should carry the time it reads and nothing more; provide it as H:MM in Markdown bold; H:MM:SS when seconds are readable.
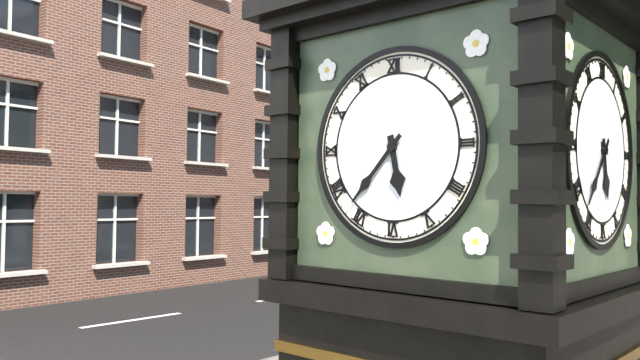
**5:37**
